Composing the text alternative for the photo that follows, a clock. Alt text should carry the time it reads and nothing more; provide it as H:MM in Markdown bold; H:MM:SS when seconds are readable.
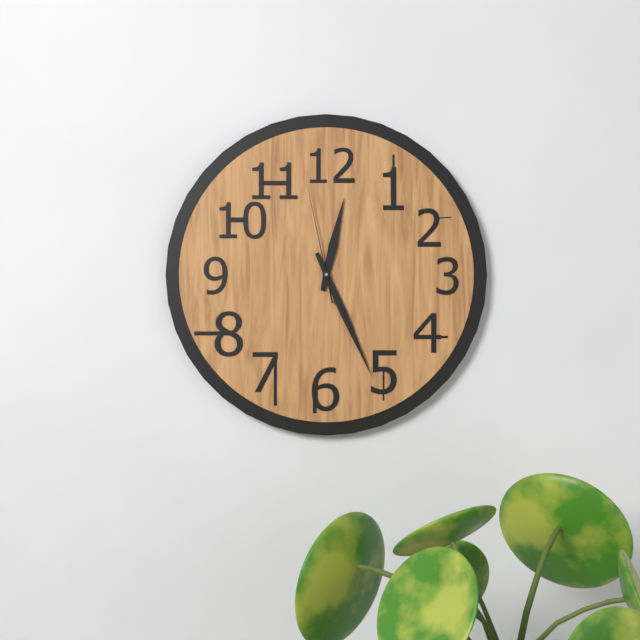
**12:26:58**
